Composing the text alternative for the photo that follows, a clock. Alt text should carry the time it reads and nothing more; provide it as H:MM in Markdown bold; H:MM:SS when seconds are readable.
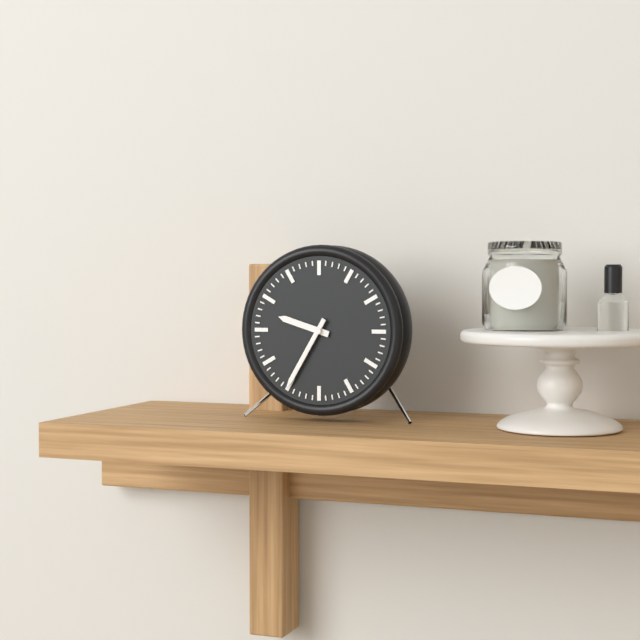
**9:35**
